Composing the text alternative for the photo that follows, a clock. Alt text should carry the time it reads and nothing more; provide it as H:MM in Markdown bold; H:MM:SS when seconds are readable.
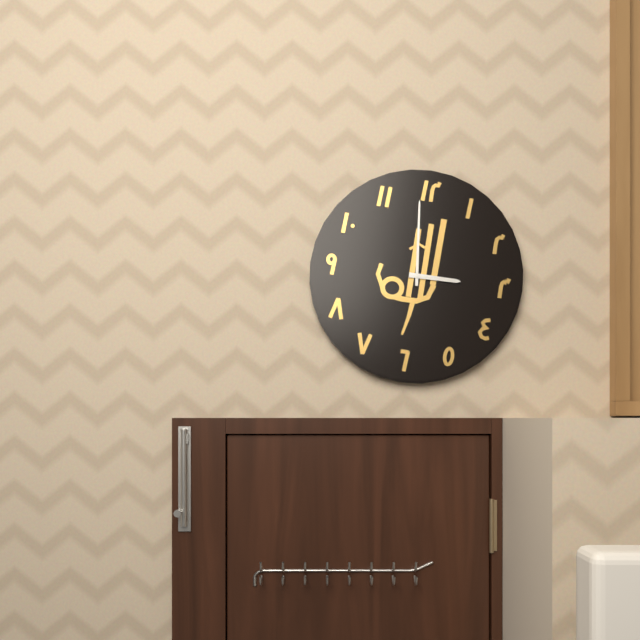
**2:59**
